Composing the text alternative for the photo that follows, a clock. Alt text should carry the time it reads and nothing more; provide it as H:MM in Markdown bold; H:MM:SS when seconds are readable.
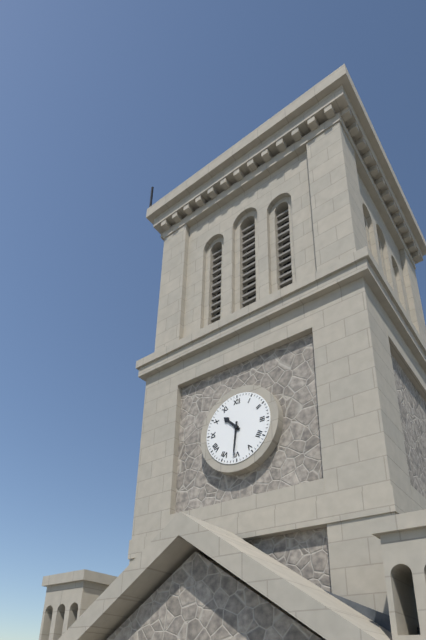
**10:31**
